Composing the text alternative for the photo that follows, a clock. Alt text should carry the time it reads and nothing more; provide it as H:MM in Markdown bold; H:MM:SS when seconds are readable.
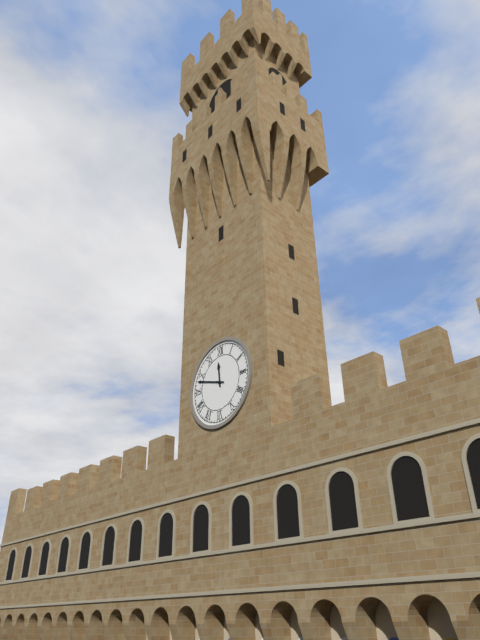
**11:48**
